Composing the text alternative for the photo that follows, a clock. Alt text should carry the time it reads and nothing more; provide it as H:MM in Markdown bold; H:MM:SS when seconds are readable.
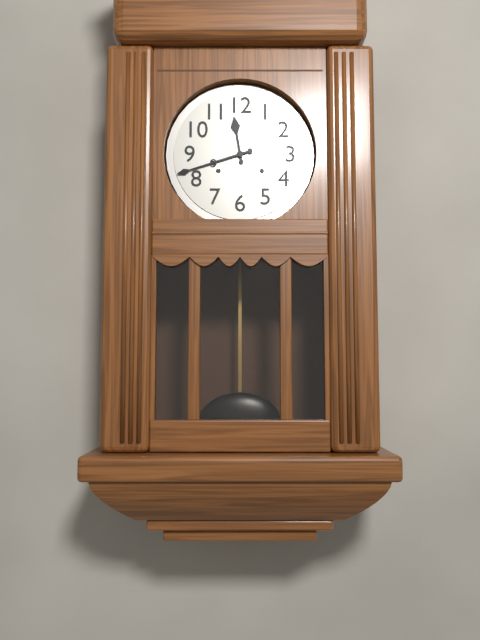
**11:42**
